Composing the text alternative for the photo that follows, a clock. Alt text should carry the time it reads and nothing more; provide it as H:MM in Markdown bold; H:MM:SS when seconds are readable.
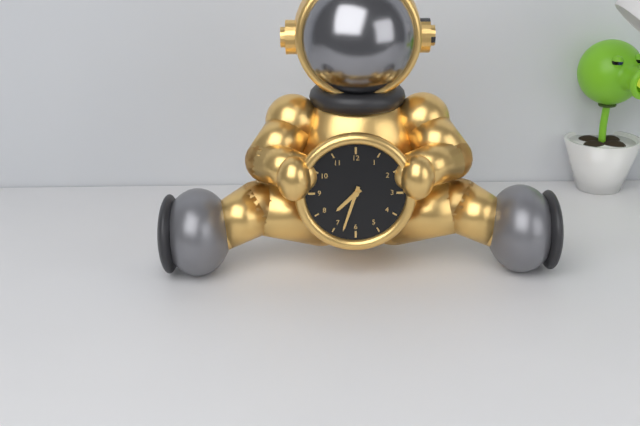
**7:33**
